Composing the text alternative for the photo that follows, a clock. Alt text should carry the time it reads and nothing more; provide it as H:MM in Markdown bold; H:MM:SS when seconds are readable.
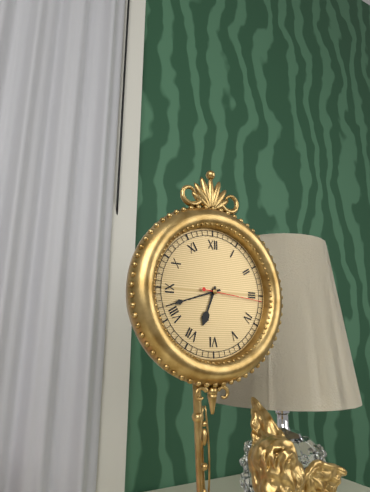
**6:42:16**
